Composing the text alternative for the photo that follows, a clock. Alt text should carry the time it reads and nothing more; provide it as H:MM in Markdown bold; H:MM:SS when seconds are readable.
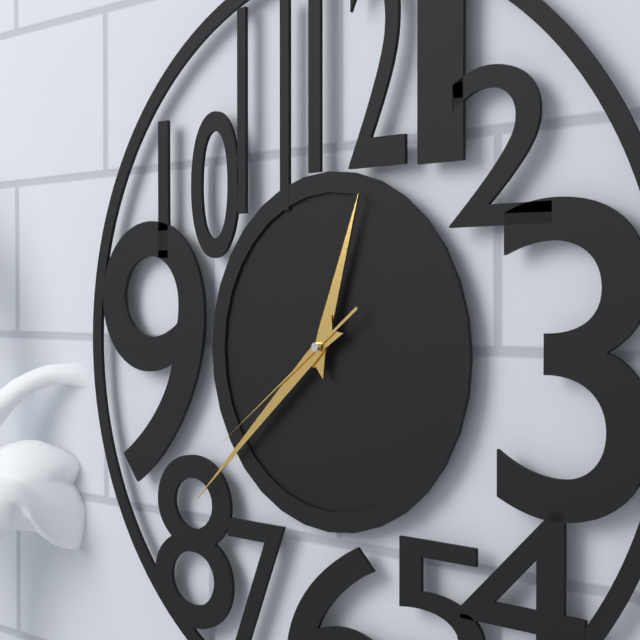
**12:38:39**
